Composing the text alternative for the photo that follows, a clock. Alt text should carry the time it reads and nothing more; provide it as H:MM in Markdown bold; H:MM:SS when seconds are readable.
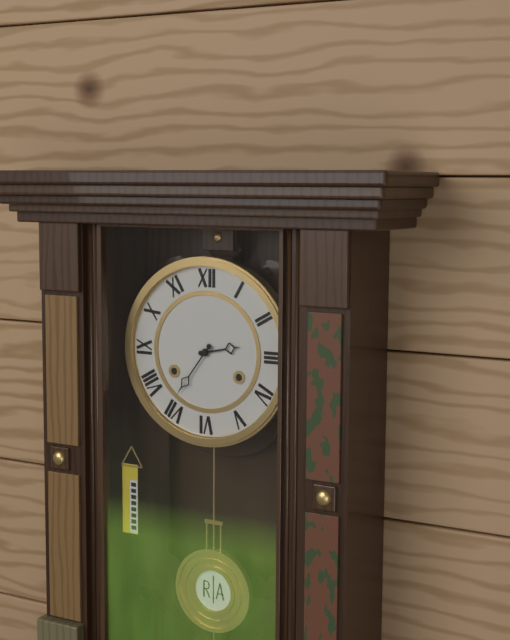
**2:36**
